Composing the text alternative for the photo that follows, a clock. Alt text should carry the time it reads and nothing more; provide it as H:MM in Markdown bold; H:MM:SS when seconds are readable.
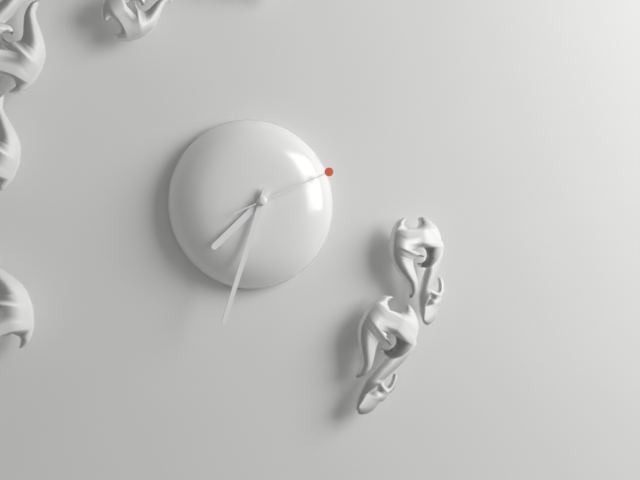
**7:33:11**
